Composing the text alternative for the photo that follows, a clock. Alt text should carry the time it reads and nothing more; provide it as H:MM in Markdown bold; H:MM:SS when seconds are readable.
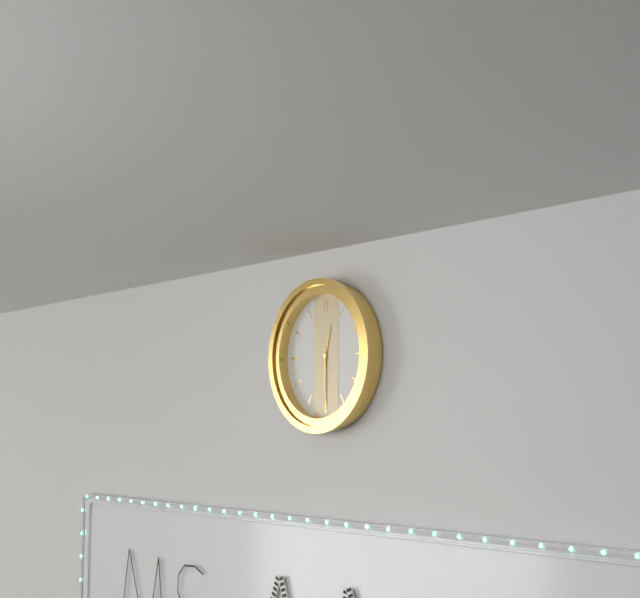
**12:30**
